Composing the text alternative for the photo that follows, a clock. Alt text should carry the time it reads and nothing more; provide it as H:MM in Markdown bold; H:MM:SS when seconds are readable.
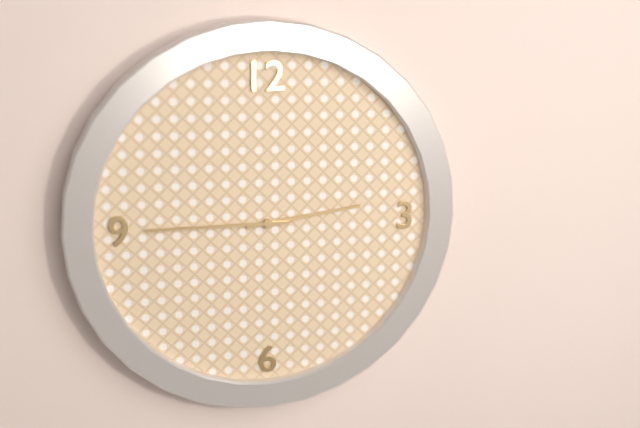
**2:45**
